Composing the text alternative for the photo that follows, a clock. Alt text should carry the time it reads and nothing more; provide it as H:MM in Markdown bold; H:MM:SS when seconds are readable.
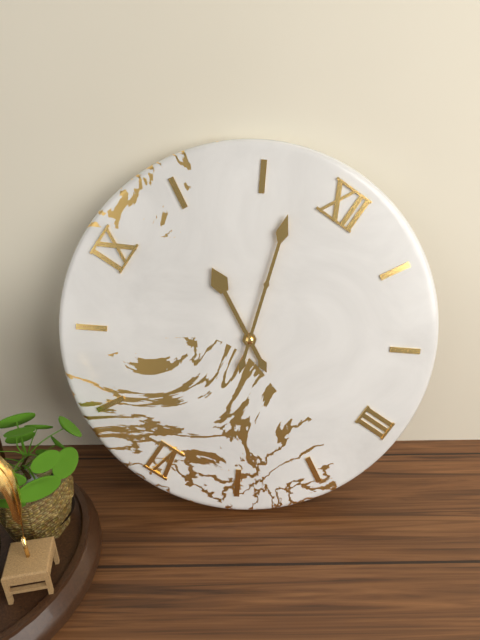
**9:57**
